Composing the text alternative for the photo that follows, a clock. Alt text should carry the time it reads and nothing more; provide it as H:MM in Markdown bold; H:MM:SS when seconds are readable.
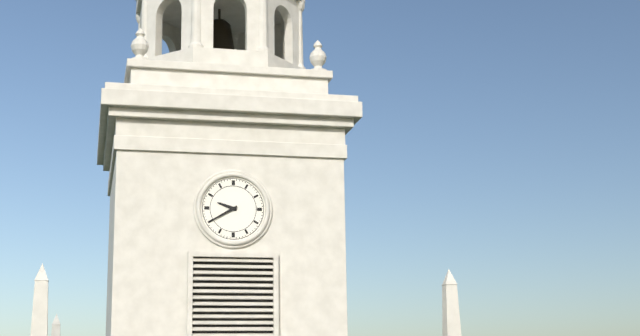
**9:40**
